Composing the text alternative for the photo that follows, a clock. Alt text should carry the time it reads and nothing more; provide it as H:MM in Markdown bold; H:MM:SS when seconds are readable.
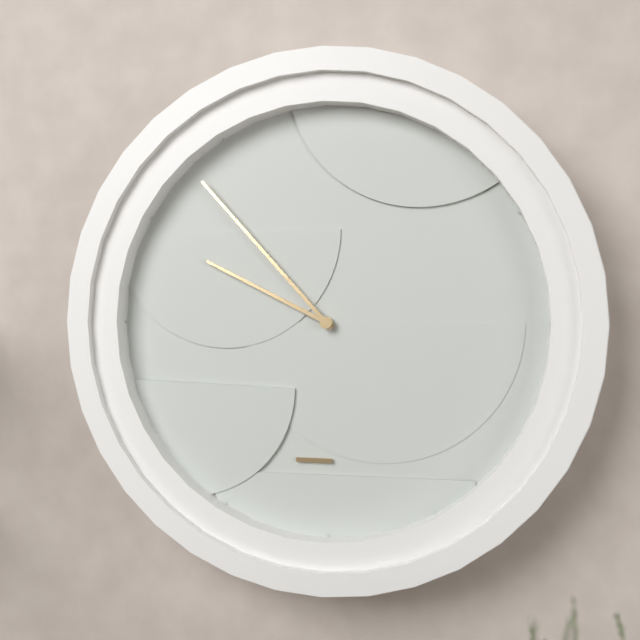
**9:53**
